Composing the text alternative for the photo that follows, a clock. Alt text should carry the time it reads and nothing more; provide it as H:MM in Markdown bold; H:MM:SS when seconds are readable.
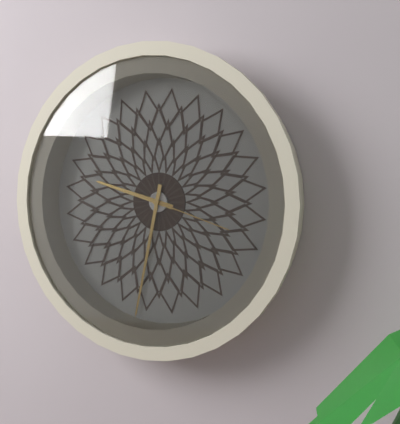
**9:32:18**
